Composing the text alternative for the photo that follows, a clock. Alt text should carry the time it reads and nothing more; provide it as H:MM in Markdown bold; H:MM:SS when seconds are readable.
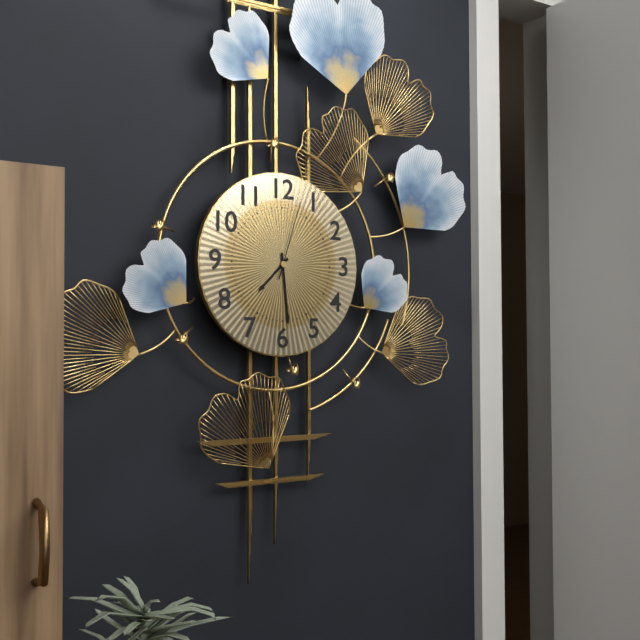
**7:29:03**
